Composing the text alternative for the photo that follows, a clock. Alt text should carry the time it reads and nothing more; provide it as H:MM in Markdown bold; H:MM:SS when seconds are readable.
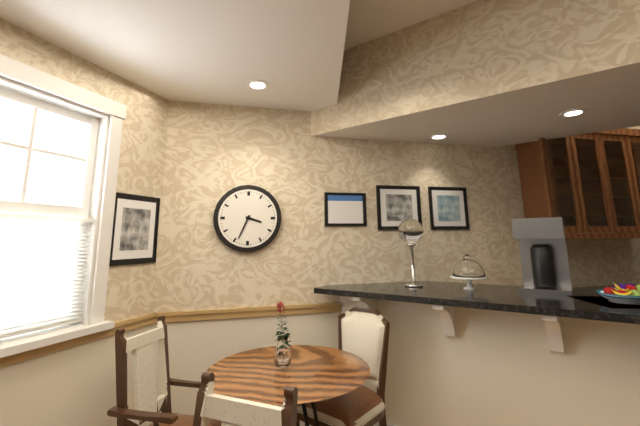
**3:34**
